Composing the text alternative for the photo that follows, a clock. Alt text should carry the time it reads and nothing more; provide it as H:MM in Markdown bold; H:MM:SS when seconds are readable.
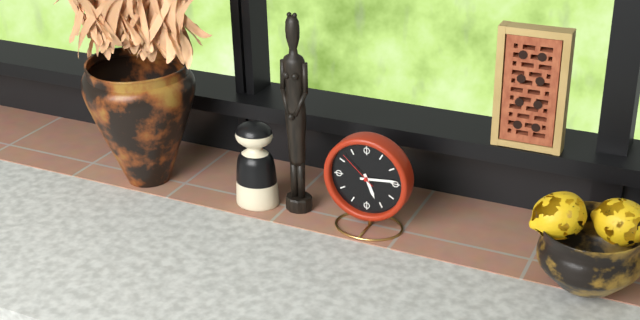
**5:14**
